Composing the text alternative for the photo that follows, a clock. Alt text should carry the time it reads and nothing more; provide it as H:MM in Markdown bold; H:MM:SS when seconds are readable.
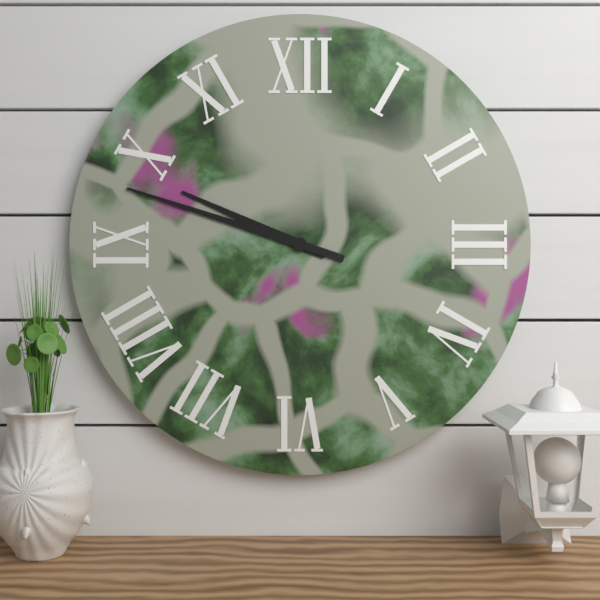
**9:48**
